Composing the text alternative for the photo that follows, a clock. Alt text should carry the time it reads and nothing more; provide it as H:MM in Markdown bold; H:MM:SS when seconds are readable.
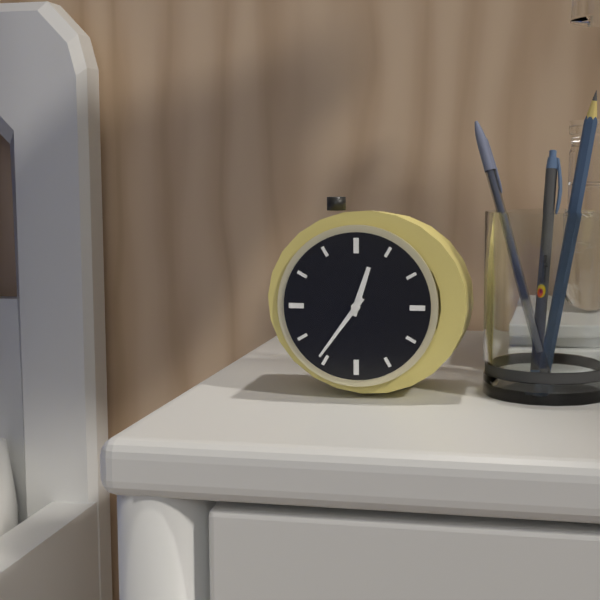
**12:36**
